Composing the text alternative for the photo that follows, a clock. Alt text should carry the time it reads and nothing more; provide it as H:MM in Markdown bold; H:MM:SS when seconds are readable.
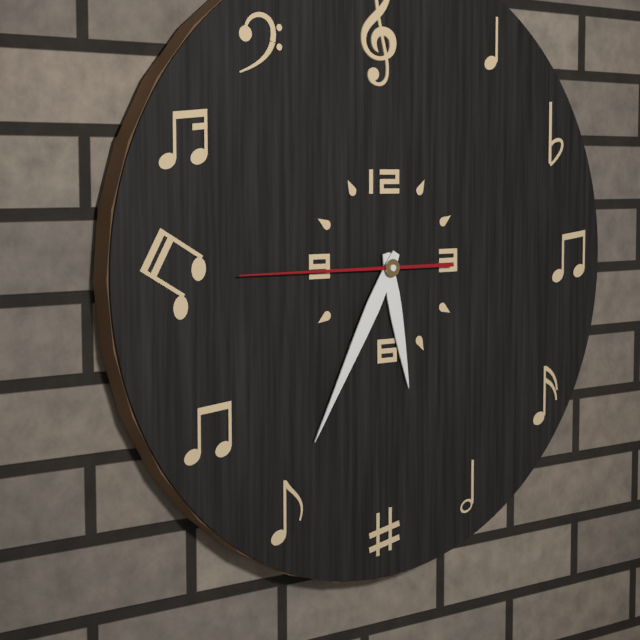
**5:35:45**
